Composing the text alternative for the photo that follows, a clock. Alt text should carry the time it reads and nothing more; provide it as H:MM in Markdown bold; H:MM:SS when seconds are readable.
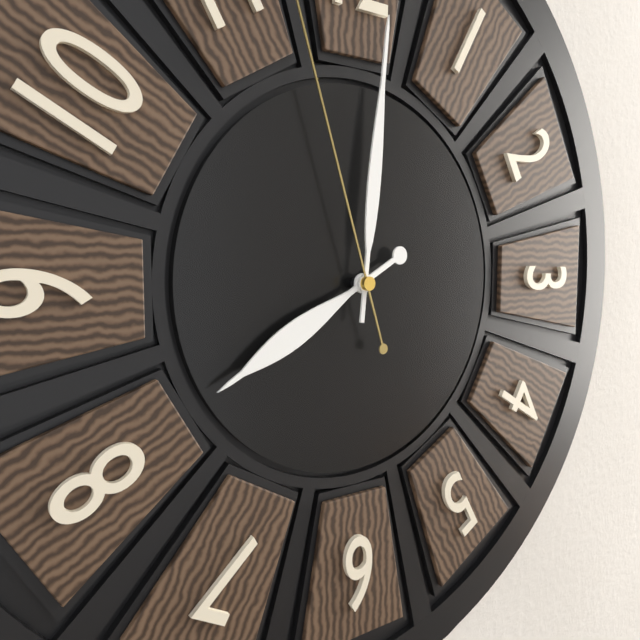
**8:01**
